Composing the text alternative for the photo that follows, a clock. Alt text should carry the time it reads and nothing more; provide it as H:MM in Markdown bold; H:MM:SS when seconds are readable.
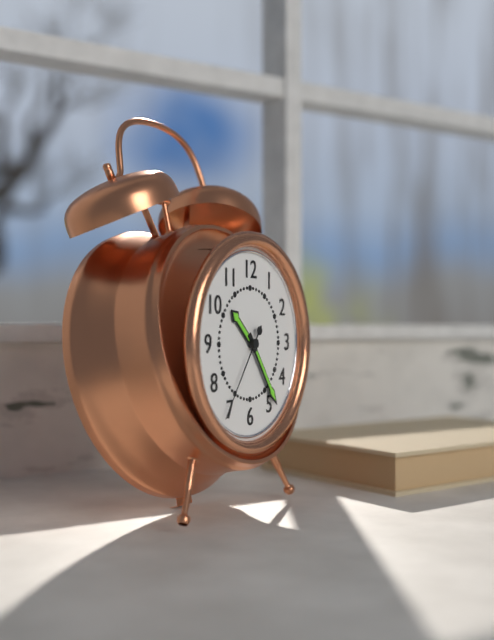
**10:24:36**
